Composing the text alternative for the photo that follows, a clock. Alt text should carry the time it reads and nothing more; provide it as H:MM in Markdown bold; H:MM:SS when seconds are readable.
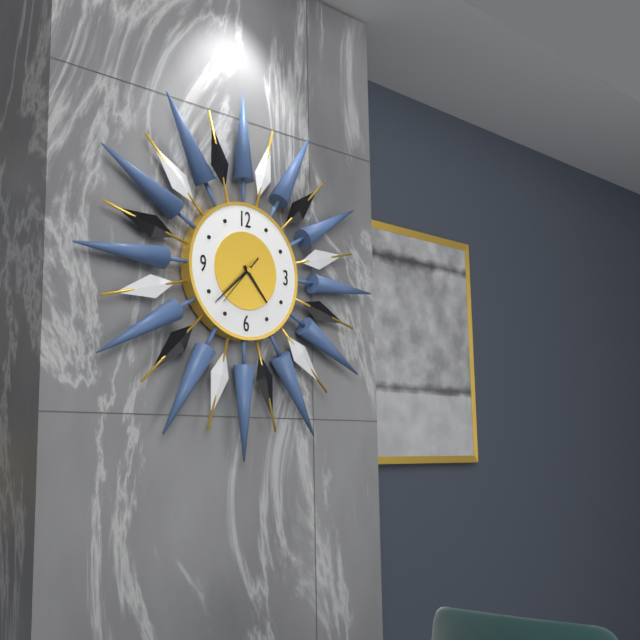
**4:38**
